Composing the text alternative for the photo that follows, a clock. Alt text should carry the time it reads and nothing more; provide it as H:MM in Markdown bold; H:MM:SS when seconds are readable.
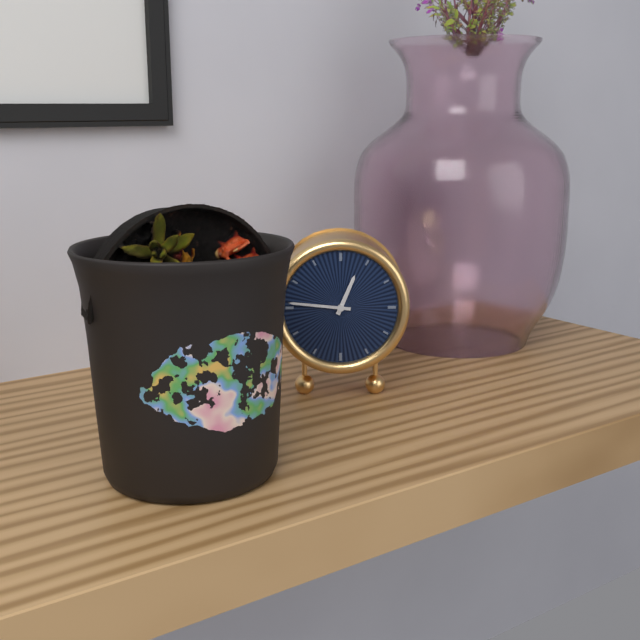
**12:46**
